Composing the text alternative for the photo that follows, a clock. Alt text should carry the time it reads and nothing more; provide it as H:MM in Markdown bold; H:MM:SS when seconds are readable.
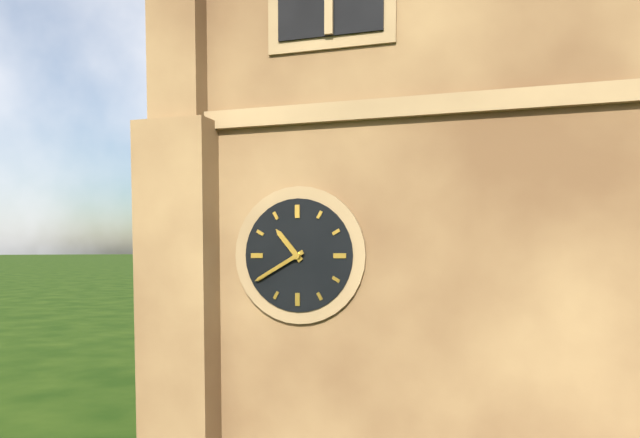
**10:40**
